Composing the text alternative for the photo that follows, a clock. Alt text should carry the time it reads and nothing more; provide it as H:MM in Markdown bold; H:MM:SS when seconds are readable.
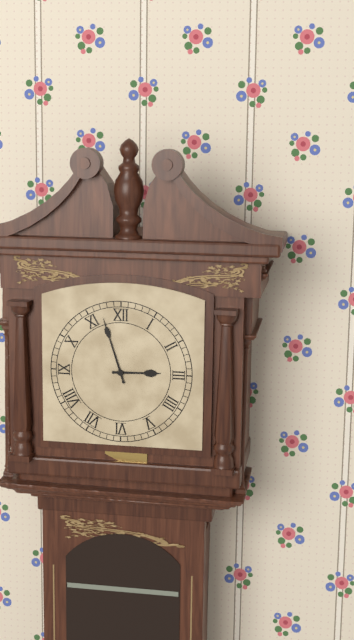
**2:57**
